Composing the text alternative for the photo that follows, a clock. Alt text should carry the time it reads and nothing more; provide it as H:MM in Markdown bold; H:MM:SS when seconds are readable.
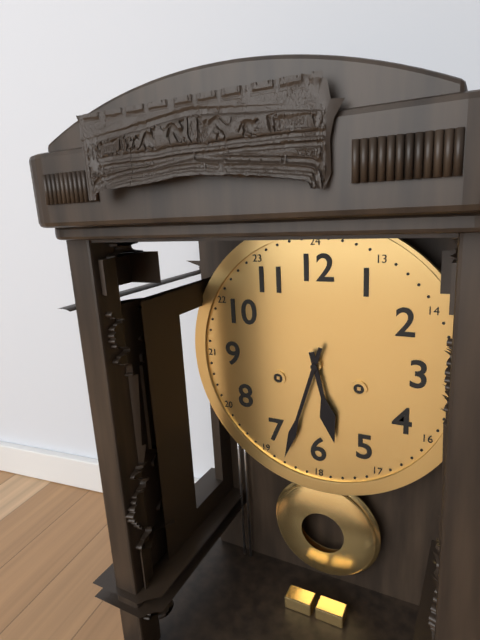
**5:33**
